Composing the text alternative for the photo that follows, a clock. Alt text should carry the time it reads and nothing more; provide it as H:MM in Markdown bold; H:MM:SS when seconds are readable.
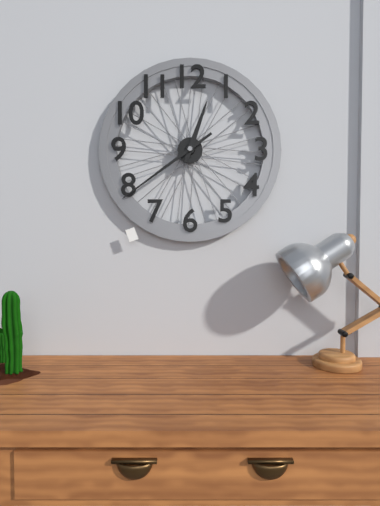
**12:39**
